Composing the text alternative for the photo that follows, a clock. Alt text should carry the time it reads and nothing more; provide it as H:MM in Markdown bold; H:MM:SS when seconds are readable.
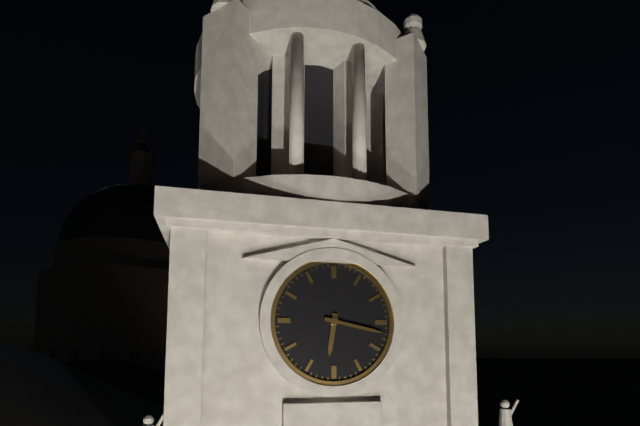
**6:17**
